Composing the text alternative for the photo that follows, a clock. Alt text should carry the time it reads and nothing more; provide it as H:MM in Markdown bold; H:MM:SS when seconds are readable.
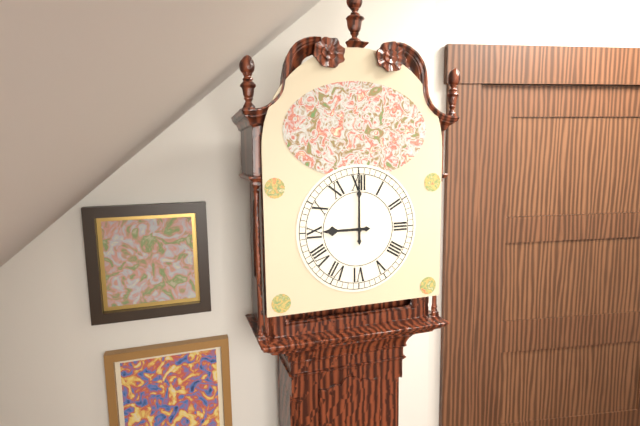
**9:00**
